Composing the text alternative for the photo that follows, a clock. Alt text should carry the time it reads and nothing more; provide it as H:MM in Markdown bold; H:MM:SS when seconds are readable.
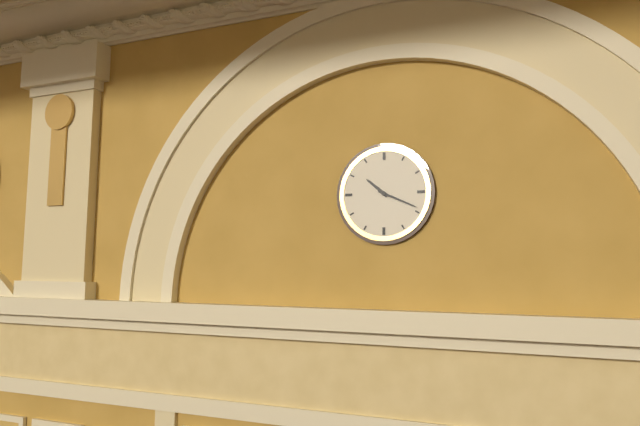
**10:19**
